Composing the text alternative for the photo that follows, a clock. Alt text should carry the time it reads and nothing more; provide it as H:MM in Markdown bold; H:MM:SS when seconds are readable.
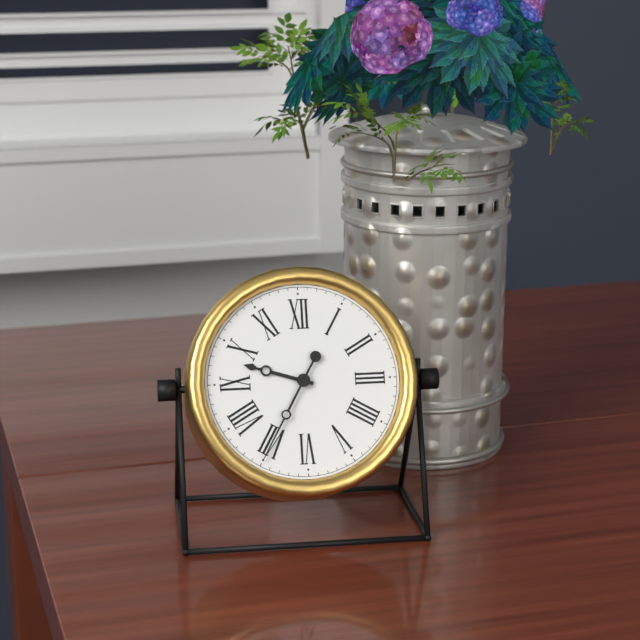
**9:35**
